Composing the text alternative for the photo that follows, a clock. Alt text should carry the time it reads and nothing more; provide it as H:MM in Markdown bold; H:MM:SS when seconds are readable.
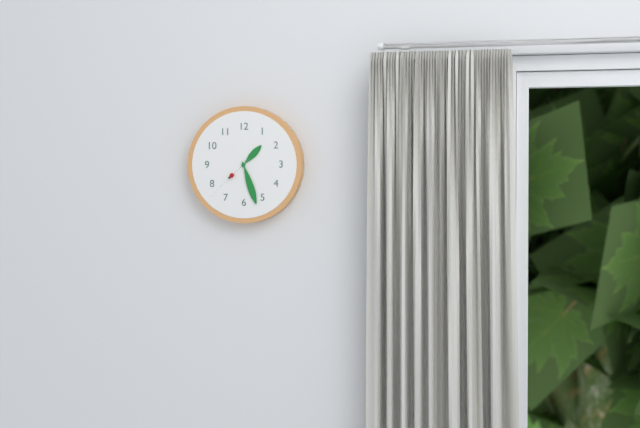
**1:27:38**
